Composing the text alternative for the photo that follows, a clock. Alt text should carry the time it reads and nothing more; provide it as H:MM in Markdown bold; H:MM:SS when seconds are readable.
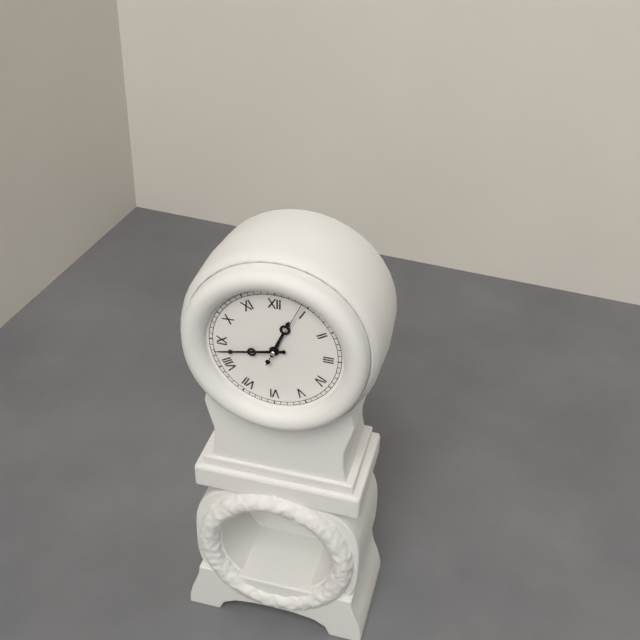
**12:43:04**
